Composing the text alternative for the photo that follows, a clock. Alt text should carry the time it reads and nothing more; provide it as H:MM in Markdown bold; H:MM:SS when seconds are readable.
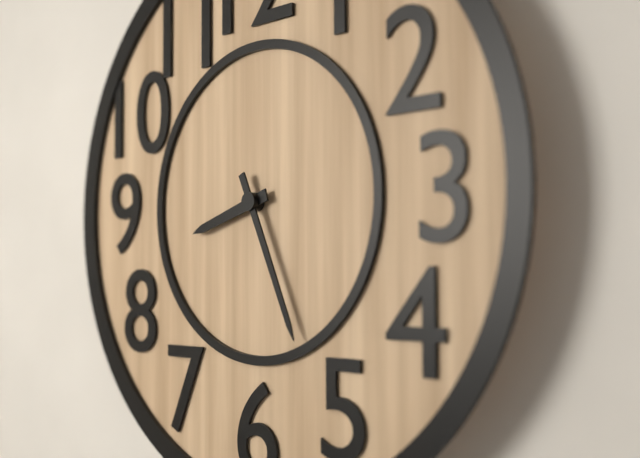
**8:26**
